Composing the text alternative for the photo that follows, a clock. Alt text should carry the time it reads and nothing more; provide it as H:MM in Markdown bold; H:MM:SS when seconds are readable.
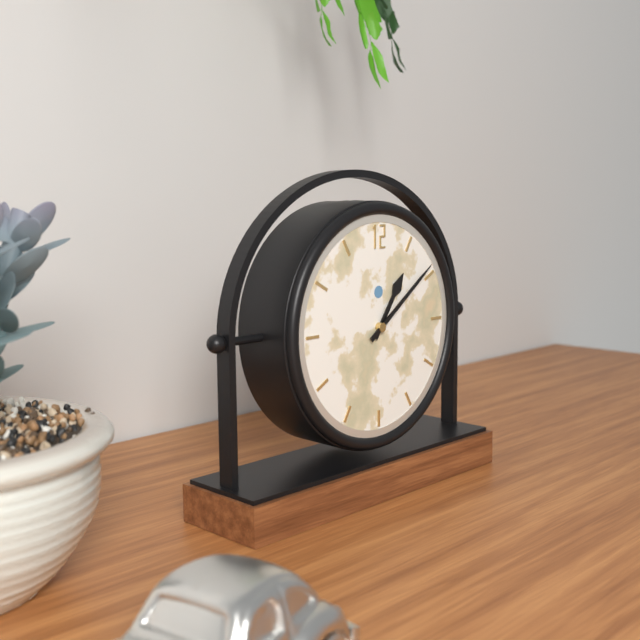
**1:09**
